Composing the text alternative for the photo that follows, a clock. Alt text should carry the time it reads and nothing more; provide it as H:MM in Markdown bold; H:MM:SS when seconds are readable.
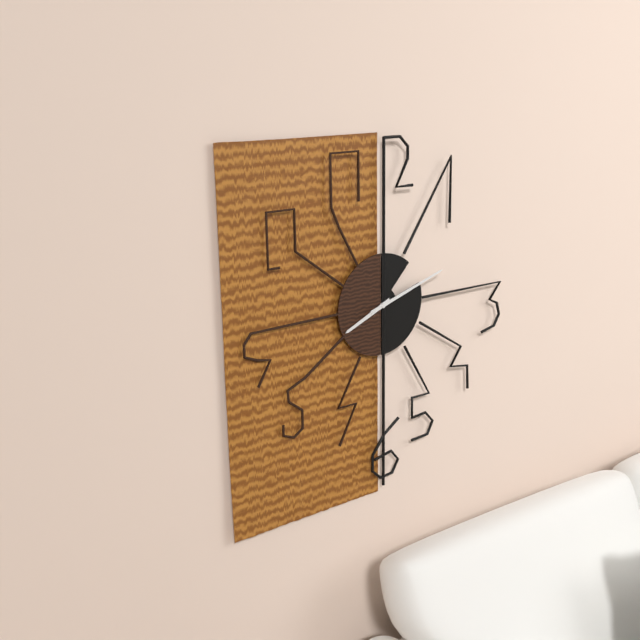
**8:12**
